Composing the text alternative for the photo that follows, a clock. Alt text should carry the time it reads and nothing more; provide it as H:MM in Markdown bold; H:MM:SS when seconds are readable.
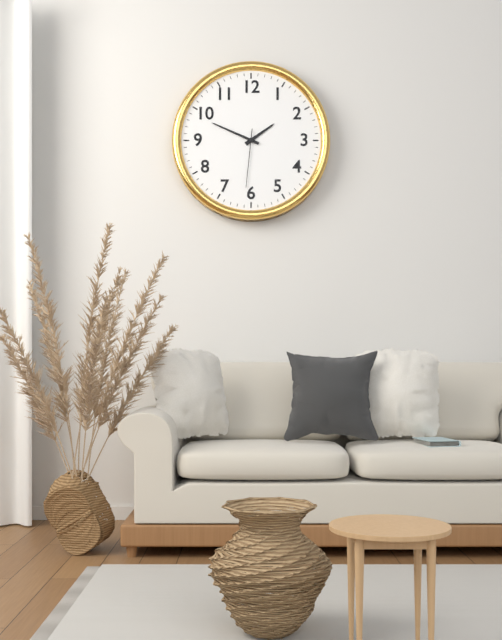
**1:49:31**
